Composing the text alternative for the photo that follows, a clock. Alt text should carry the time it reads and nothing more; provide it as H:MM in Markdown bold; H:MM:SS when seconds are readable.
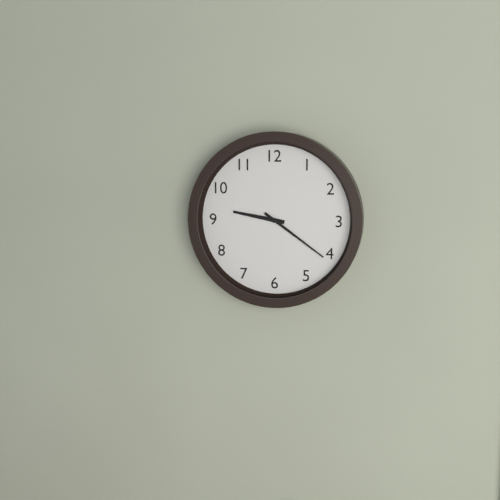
**9:21**
